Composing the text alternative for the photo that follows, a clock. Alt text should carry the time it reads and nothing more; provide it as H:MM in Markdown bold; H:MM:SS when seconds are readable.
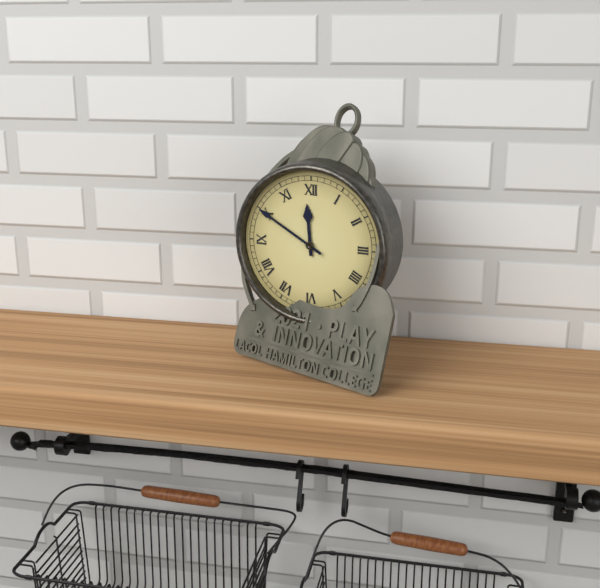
**11:50**
